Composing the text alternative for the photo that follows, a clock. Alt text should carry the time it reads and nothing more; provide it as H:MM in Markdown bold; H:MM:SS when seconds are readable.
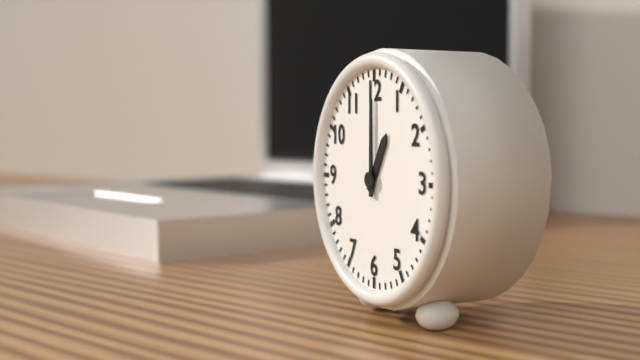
**1:00**
